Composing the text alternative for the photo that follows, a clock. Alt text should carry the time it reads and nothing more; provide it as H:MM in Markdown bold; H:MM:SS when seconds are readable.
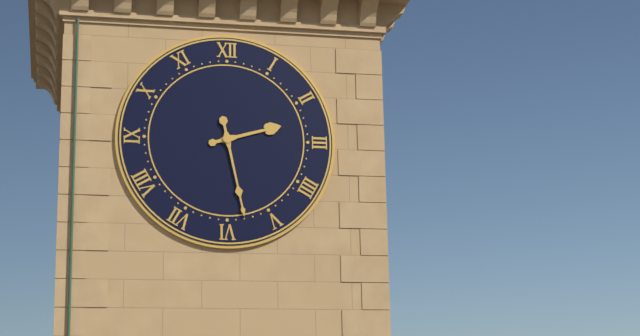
**2:28**
